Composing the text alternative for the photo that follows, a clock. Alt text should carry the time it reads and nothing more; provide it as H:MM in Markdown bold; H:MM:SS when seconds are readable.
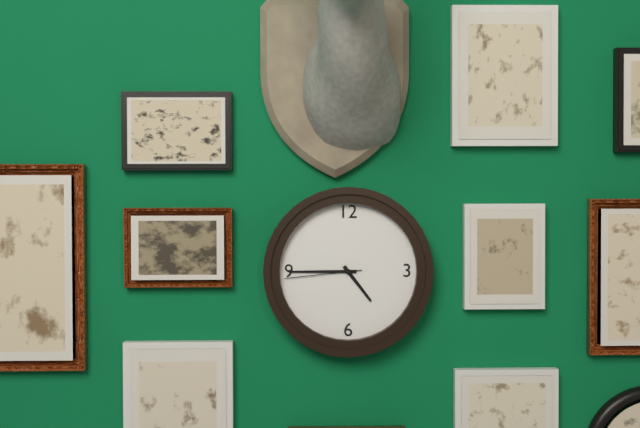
**4:45:44**
